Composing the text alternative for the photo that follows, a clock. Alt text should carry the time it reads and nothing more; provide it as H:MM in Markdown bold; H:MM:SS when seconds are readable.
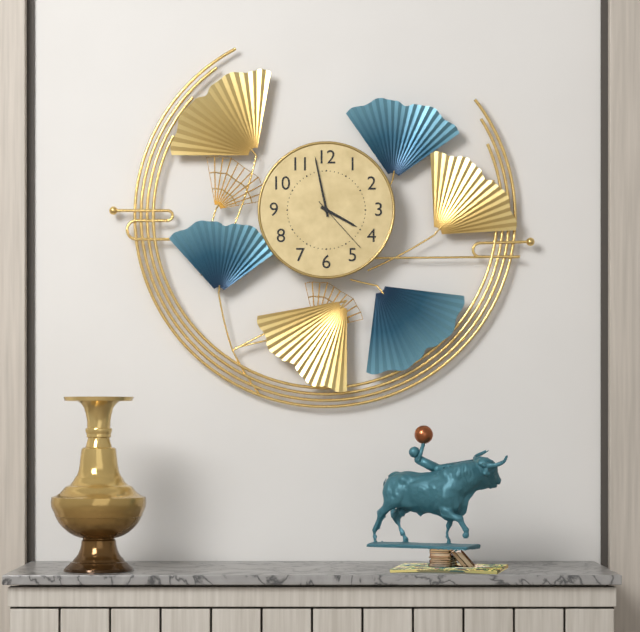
**3:58:23**
